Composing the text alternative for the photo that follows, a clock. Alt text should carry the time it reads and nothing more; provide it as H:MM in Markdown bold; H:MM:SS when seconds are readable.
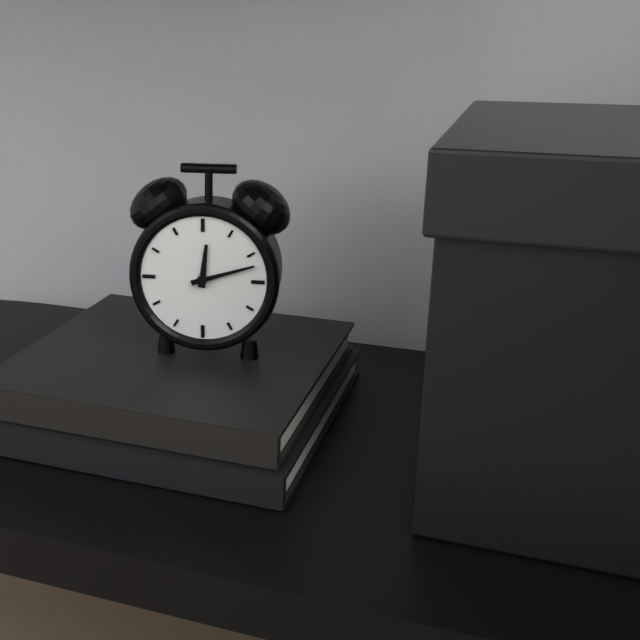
**12:12**
